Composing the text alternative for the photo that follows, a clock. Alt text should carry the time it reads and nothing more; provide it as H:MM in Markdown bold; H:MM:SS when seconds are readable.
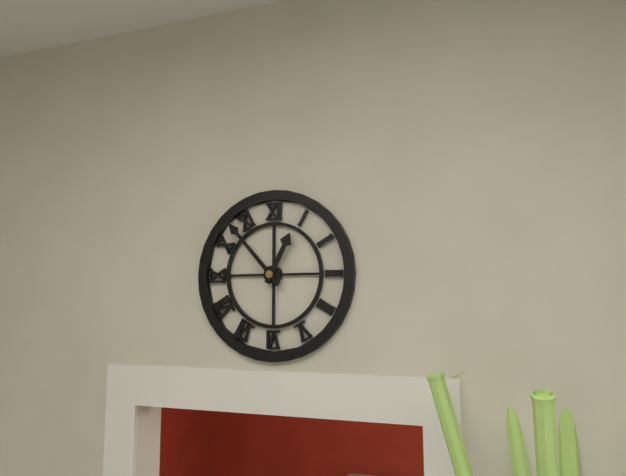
**12:53**
